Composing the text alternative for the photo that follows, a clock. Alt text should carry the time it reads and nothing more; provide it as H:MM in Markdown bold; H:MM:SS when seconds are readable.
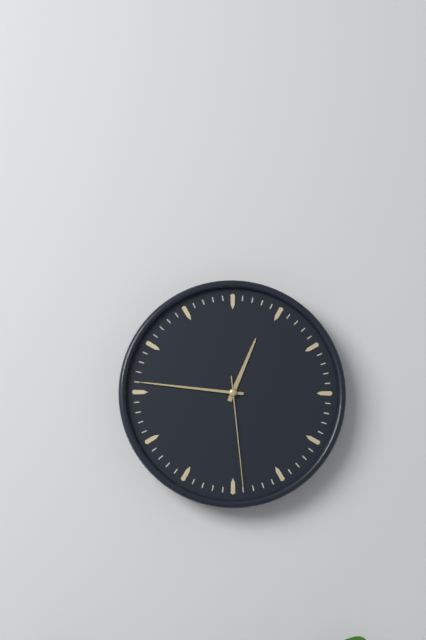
**12:46:29**
